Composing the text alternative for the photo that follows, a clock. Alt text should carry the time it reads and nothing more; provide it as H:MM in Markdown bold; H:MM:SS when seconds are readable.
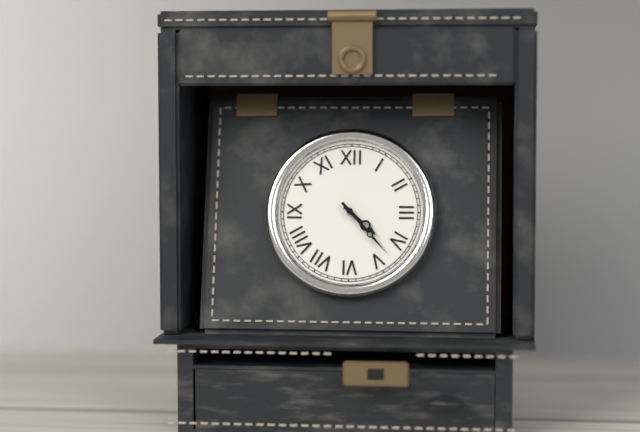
**4:23**
